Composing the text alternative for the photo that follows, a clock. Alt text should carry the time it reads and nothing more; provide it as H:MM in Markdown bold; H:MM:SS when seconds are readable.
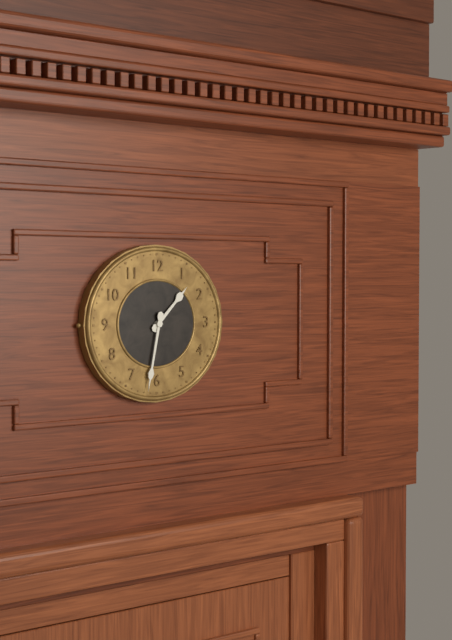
**1:32**
